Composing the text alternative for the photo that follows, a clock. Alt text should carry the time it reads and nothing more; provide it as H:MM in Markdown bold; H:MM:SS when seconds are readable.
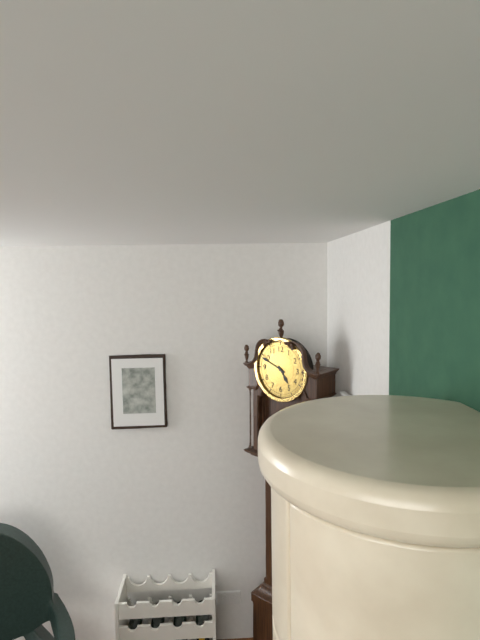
**4:49**
